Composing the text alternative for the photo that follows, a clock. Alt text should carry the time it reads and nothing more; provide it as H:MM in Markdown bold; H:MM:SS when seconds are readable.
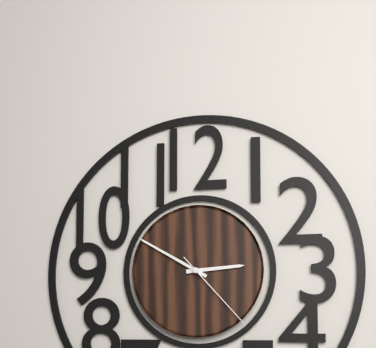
**2:50:23**
